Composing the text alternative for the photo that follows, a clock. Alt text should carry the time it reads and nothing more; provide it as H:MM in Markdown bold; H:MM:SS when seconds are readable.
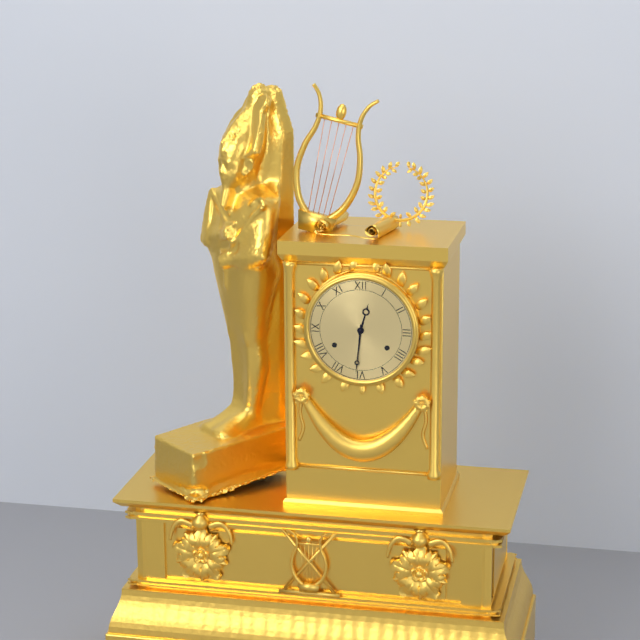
**12:31**
